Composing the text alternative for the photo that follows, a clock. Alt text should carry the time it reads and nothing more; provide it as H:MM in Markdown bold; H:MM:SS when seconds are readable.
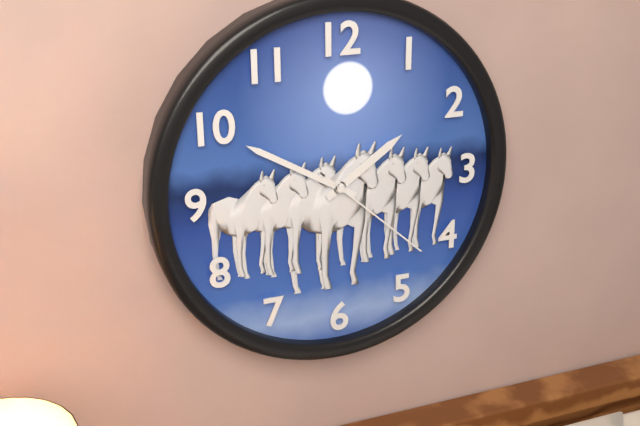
**1:50:22**
